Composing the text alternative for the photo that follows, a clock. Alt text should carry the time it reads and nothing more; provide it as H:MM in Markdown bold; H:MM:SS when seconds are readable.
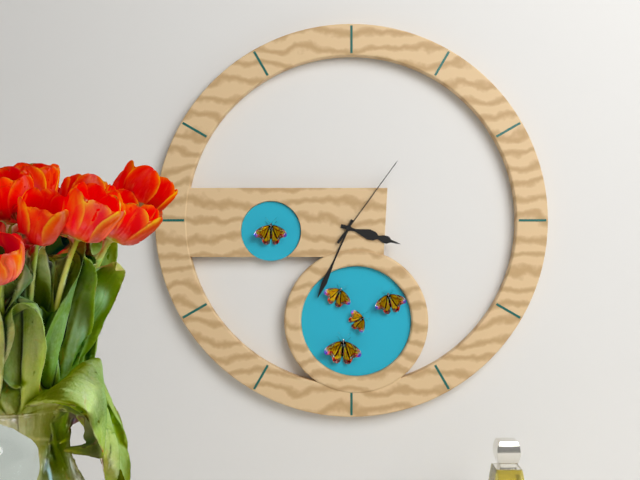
**3:34:06**
